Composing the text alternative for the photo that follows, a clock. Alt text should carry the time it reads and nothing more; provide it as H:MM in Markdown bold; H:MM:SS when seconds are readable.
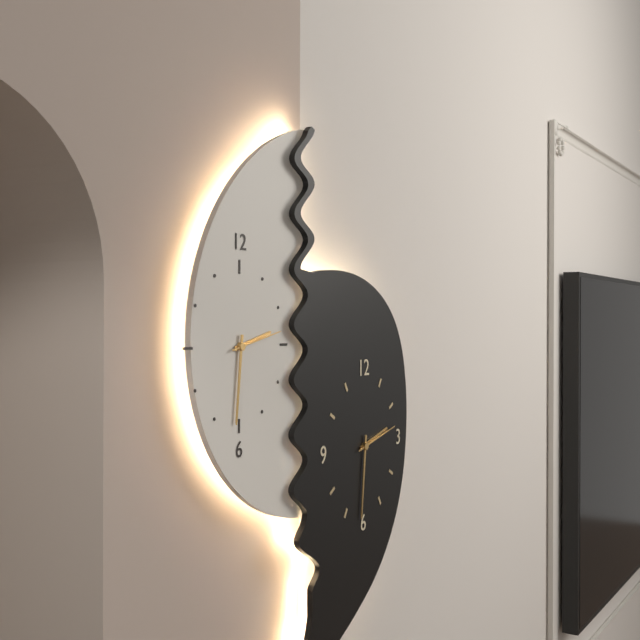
**2:31:13**
